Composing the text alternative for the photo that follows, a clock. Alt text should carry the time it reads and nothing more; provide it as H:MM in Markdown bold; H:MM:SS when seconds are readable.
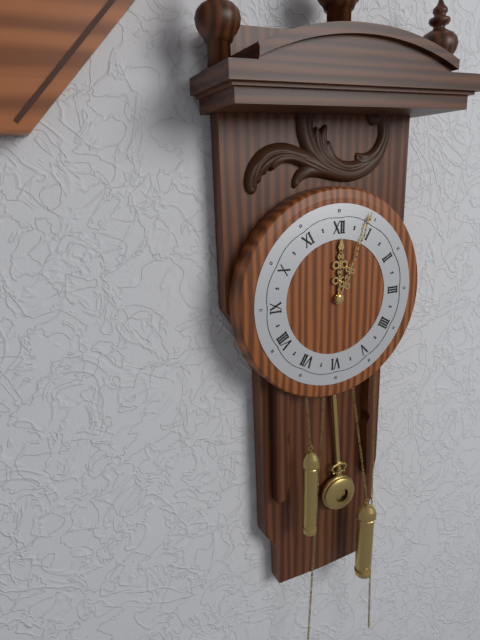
**12:04**
